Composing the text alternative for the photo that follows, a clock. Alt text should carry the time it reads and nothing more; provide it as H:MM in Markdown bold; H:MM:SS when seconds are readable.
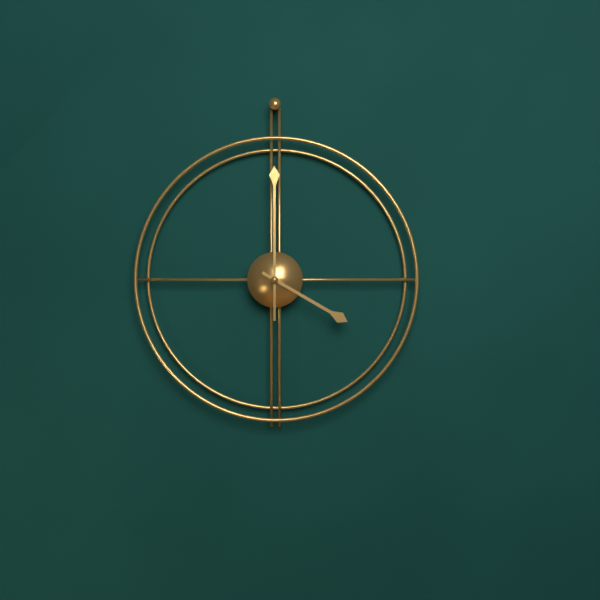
**4:00**
